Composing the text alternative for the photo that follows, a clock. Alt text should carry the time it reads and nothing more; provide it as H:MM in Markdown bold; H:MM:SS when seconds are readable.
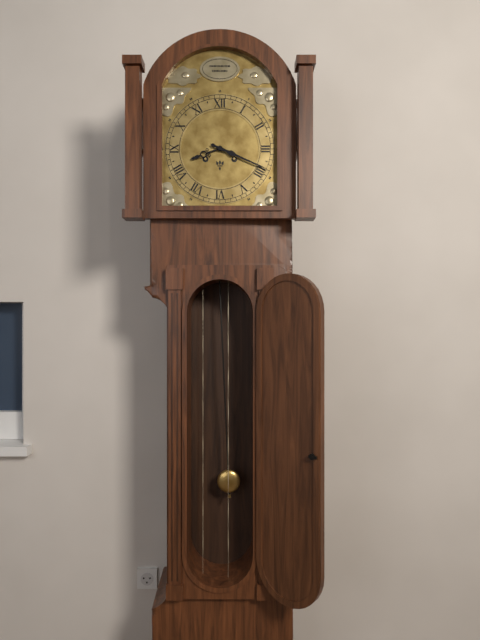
**8:19**
